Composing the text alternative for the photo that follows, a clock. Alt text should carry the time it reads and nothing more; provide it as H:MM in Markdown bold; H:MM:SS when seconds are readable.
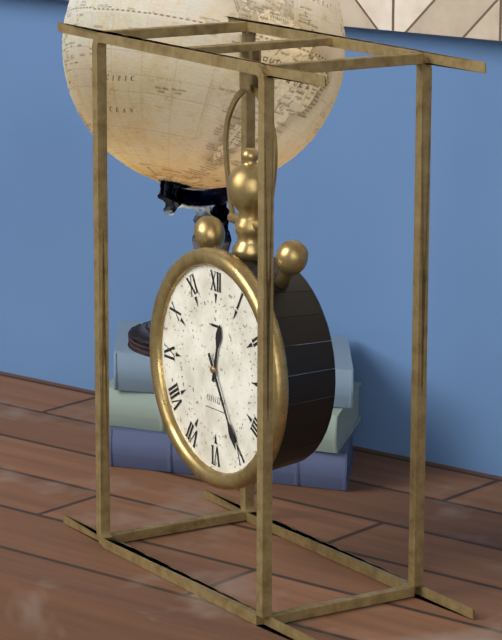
**12:25**
